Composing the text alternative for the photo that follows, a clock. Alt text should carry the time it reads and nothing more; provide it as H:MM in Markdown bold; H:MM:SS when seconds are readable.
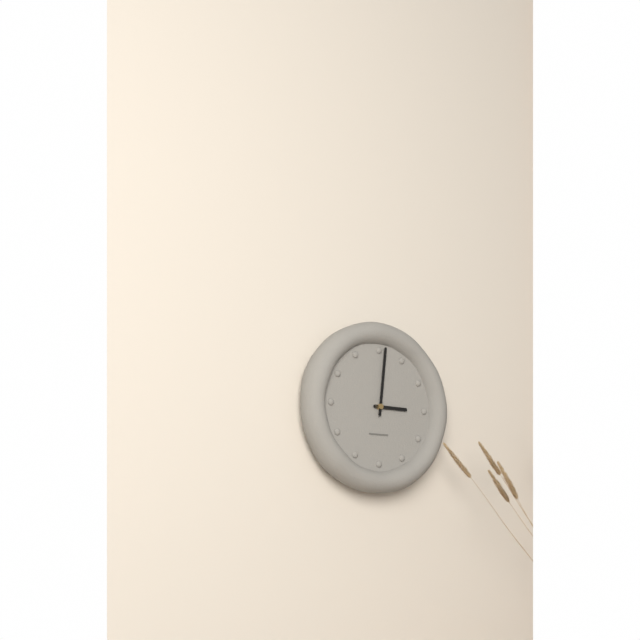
**3:01**
